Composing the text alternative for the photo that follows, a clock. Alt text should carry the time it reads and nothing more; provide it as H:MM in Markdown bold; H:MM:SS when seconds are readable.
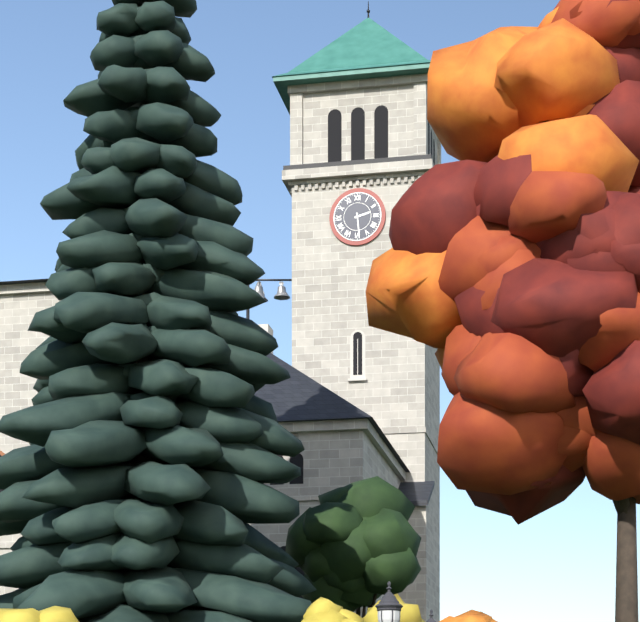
**2:29**
